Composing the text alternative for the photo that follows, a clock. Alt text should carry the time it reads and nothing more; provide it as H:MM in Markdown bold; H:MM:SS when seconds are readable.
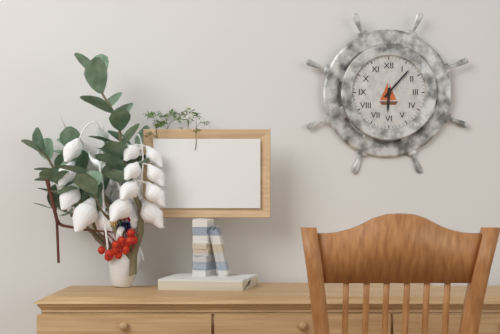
**6:07**
